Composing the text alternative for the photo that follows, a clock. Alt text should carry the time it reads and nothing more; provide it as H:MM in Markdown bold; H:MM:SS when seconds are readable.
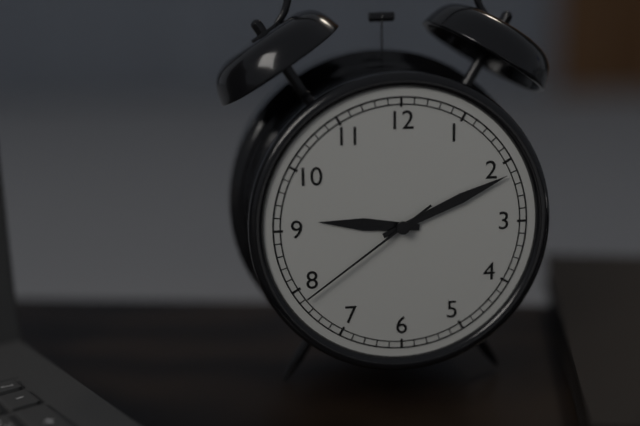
**9:11:39**
